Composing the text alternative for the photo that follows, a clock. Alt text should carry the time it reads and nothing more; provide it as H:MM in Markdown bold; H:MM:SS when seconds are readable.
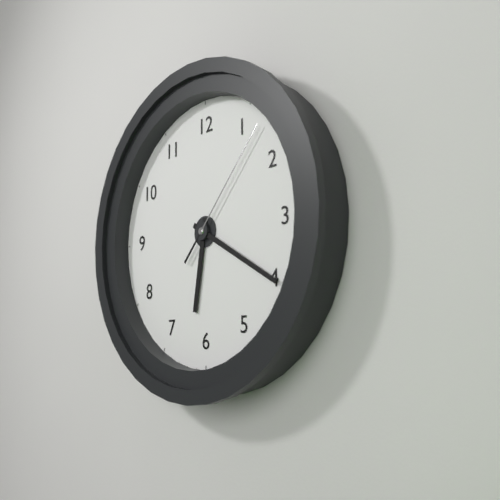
**6:20:07**
